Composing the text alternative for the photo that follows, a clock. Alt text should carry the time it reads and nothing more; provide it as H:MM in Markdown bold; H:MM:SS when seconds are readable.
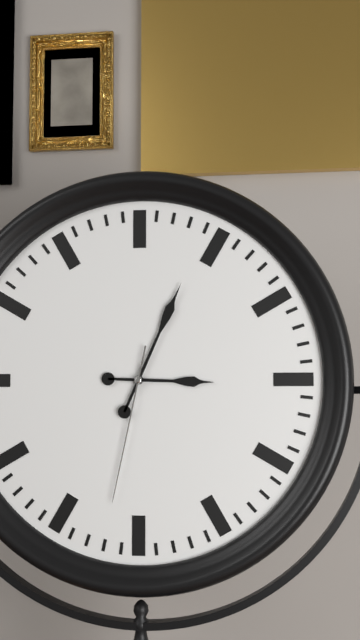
**3:04:32**
